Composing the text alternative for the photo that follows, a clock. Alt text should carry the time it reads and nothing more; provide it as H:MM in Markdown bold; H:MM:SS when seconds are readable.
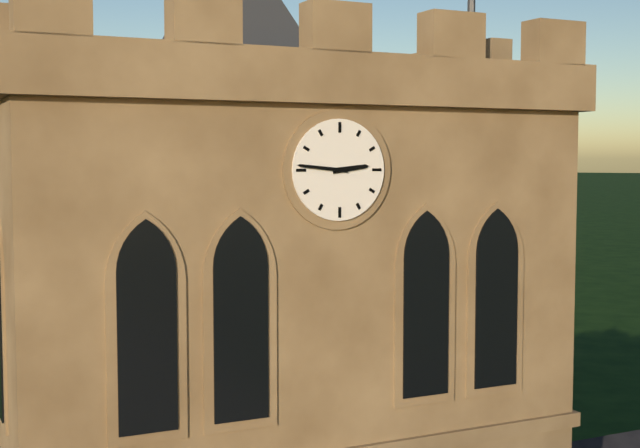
**2:46**
